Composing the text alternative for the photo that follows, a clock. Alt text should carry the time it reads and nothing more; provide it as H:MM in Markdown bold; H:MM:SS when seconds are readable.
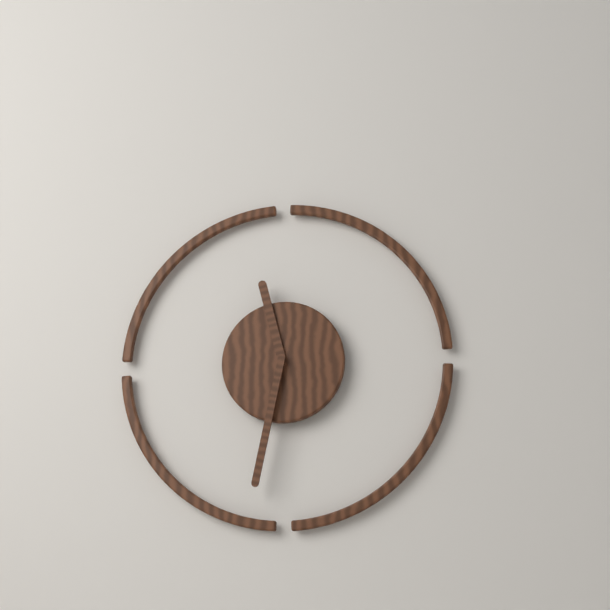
**11:32**
